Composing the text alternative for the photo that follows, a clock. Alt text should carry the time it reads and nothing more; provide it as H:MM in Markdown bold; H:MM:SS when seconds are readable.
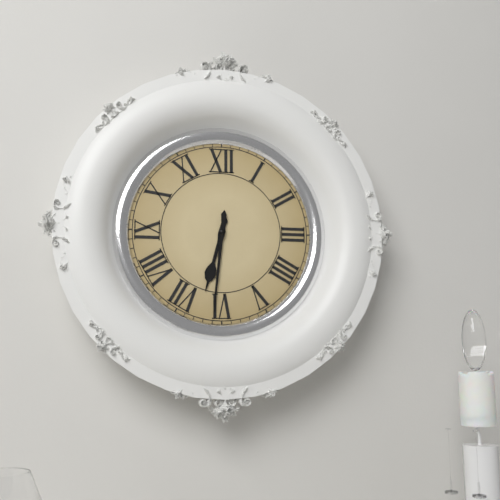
**6:31**
